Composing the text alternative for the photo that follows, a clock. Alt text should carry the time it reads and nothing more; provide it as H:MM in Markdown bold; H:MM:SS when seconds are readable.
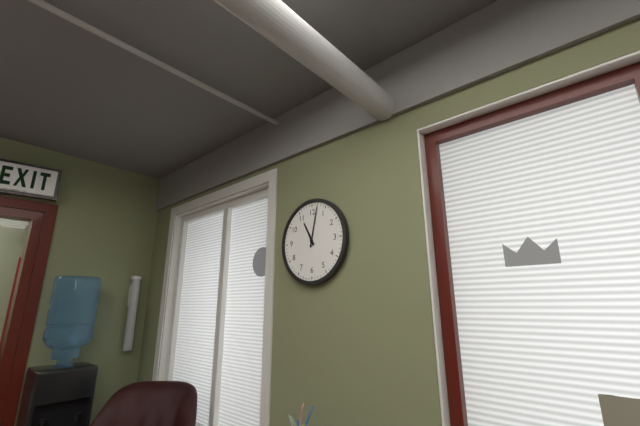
**11:02**
